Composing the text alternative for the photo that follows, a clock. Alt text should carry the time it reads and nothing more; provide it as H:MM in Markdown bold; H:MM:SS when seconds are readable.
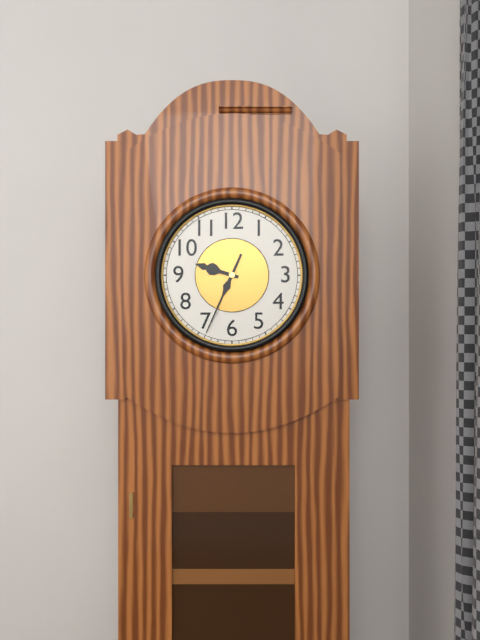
**9:34**
